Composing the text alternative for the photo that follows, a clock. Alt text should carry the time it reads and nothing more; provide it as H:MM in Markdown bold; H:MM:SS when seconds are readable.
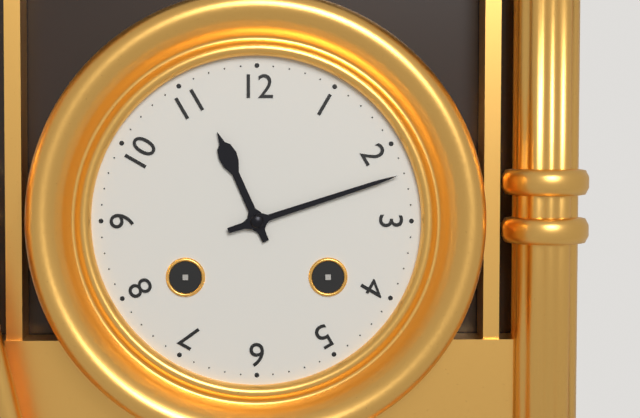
**11:12**
